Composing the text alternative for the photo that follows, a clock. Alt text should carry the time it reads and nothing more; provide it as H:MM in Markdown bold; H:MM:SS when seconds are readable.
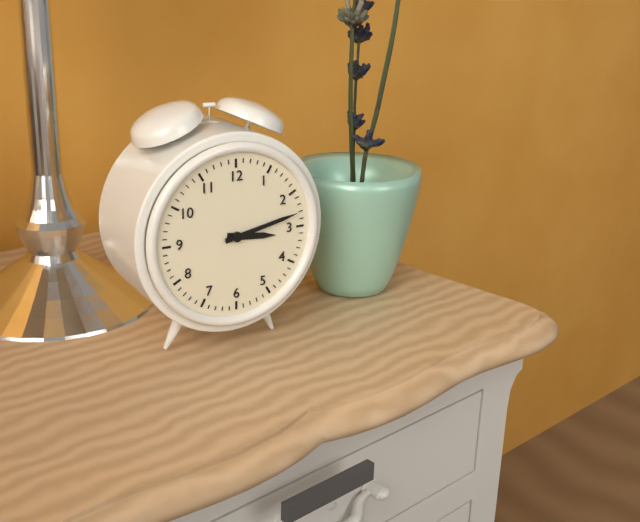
**3:13**
